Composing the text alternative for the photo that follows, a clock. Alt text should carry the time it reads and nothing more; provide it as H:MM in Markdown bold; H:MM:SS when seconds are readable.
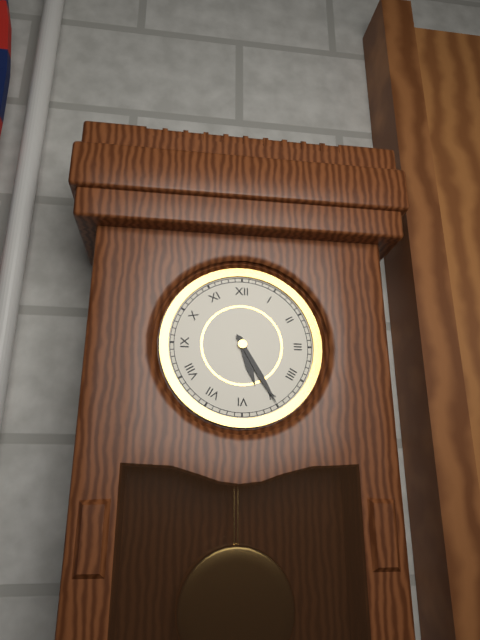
**5:25**
